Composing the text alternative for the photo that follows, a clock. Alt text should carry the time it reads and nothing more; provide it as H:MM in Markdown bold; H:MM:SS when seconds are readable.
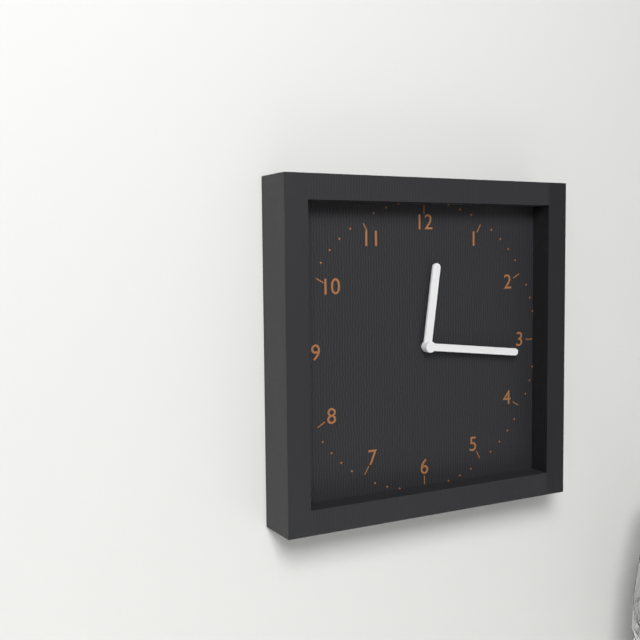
**12:16**
